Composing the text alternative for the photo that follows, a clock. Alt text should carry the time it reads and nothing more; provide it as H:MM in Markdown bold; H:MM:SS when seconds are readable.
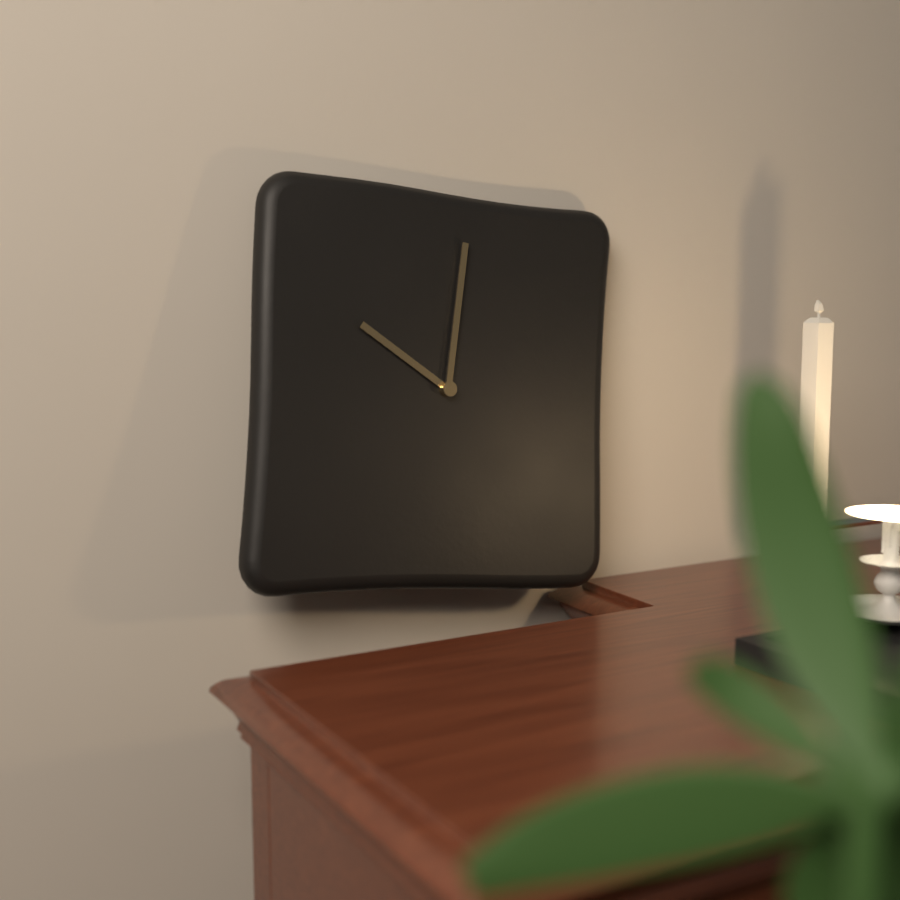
**10:01**
